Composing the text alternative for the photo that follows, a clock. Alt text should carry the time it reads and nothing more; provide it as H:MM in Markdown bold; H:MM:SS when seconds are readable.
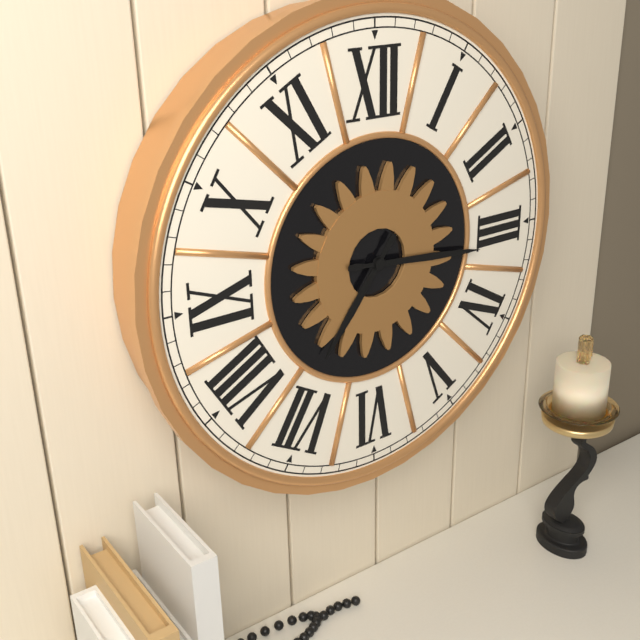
**7:16**
